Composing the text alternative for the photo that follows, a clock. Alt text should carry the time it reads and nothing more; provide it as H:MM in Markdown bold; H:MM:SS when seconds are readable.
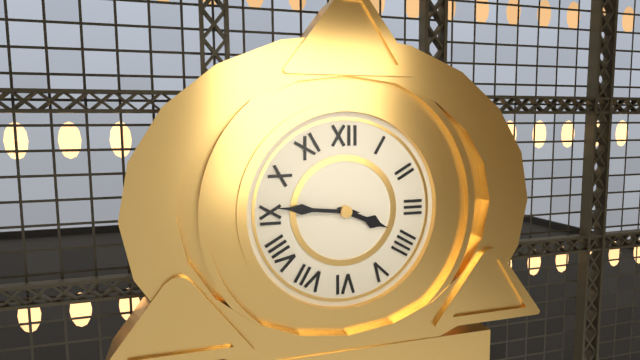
**3:46**
